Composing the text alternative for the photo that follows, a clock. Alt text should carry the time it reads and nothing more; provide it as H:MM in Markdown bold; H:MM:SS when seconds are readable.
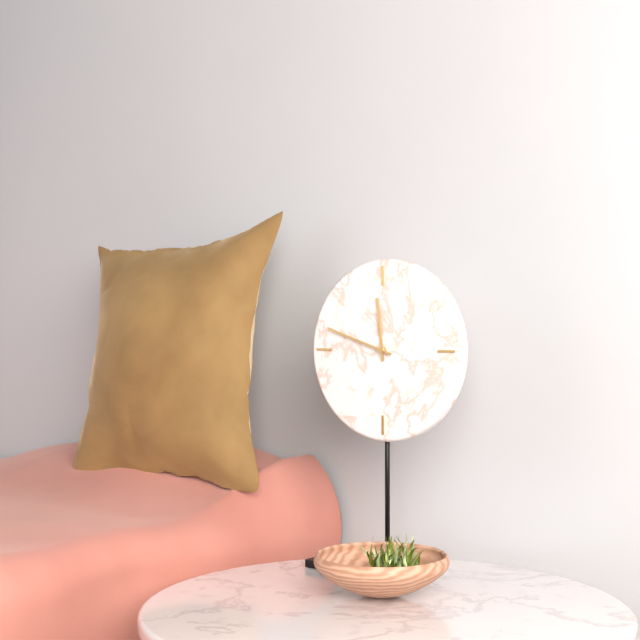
**11:48**
